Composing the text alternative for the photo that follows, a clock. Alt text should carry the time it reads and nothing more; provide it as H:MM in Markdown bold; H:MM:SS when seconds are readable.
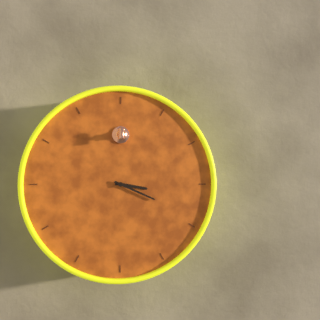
**3:19**
